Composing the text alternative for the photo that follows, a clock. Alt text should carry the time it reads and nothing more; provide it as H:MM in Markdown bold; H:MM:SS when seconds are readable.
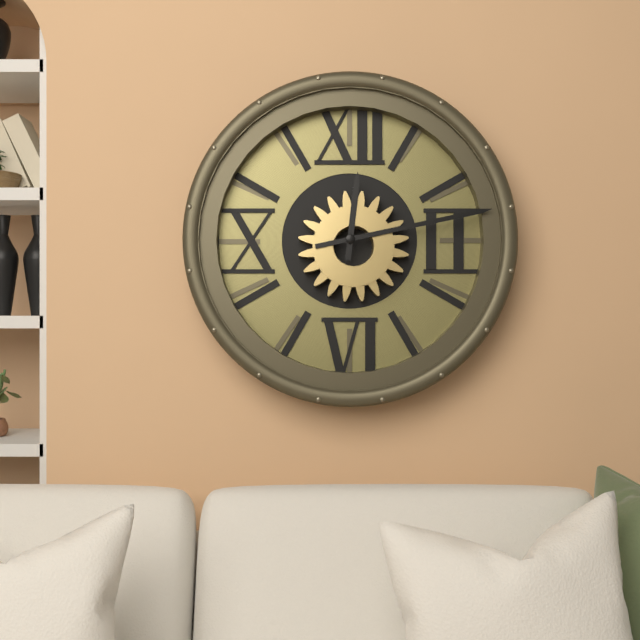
**12:13**
